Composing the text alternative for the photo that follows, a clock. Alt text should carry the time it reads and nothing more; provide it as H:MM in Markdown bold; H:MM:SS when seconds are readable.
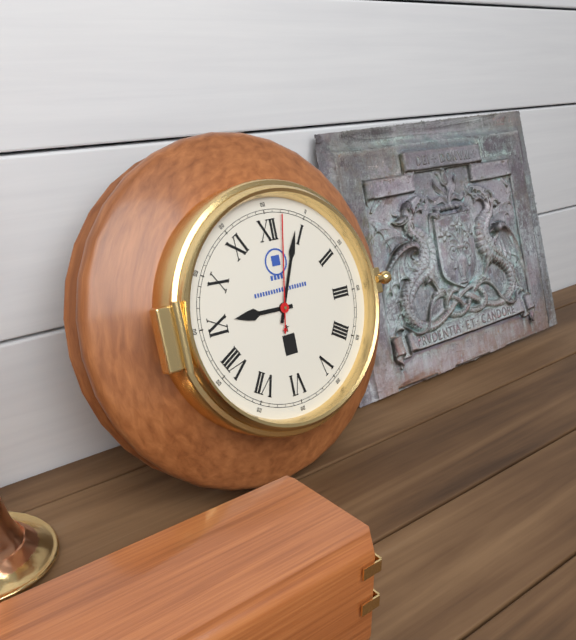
**9:04:02**
